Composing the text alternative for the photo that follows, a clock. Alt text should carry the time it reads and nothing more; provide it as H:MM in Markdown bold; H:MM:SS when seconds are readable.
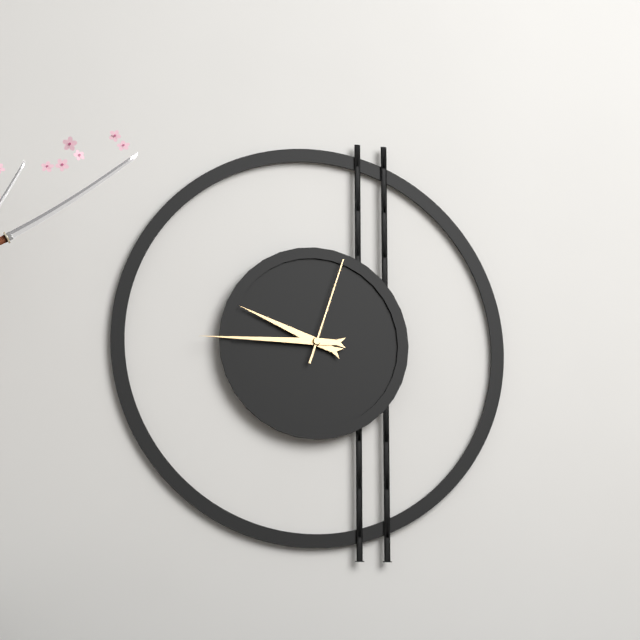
**9:45:03**
